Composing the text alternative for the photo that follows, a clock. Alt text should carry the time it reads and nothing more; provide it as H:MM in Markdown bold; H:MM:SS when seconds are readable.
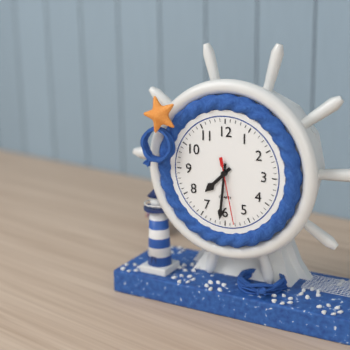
**7:31:28**
